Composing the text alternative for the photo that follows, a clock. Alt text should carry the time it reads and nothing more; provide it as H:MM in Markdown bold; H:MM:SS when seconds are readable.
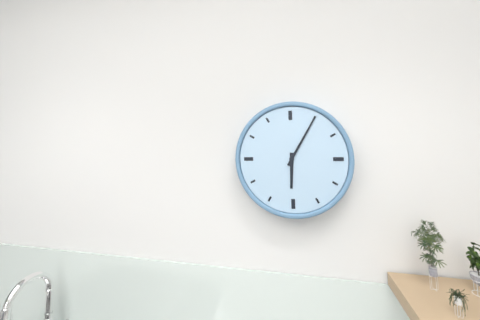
**6:05**
